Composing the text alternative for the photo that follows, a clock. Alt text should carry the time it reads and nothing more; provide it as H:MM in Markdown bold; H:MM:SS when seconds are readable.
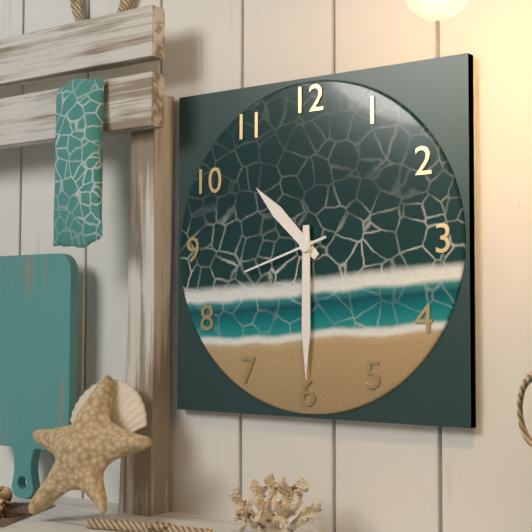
**10:30:42**
